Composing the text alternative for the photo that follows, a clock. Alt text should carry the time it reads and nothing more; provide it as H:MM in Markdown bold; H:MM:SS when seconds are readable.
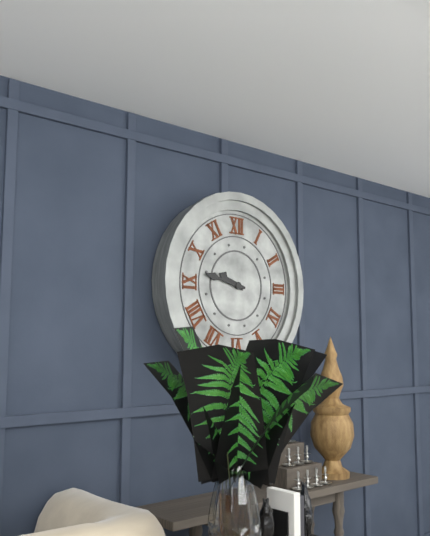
**9:47**
